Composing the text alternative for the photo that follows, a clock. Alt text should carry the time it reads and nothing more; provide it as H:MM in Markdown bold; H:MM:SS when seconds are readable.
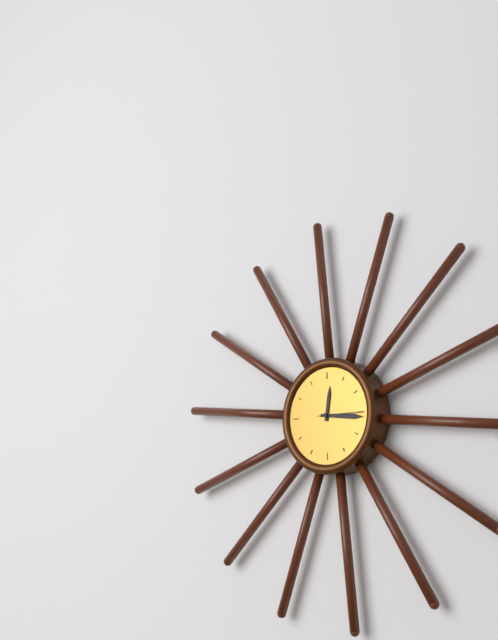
**12:16**
